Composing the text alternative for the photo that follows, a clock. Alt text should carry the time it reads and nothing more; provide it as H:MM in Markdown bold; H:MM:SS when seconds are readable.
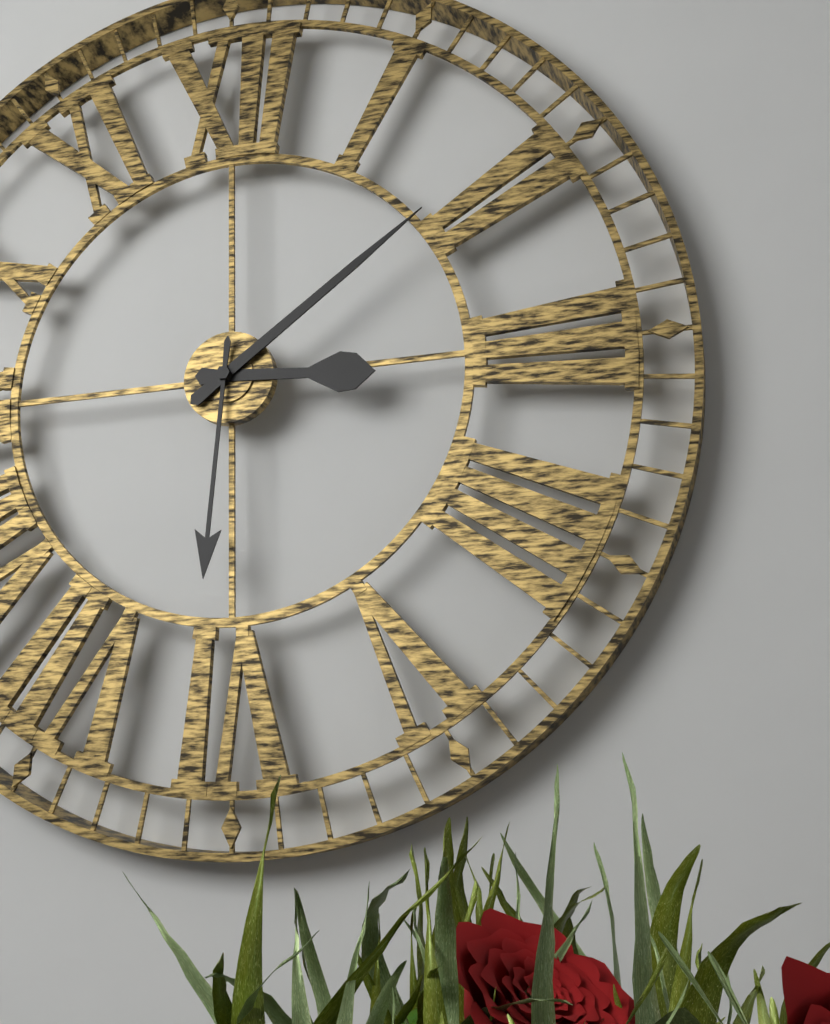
**3:09:31**
